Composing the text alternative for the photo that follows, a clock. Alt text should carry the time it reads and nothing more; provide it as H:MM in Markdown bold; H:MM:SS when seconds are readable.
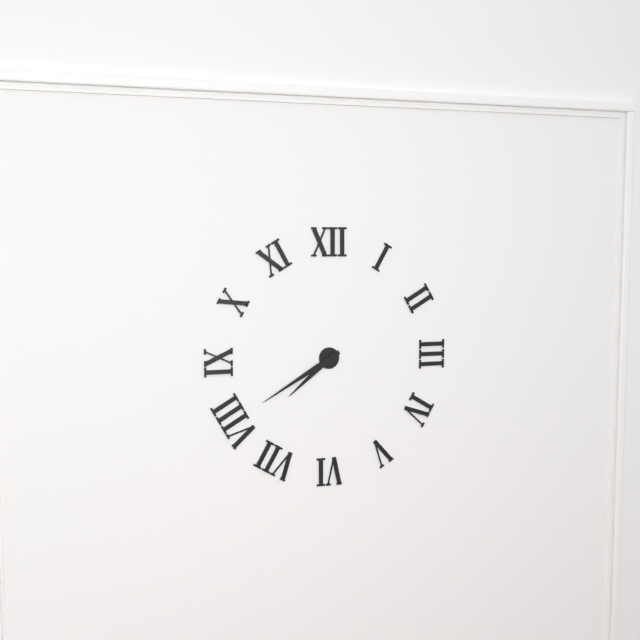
**7:40**
